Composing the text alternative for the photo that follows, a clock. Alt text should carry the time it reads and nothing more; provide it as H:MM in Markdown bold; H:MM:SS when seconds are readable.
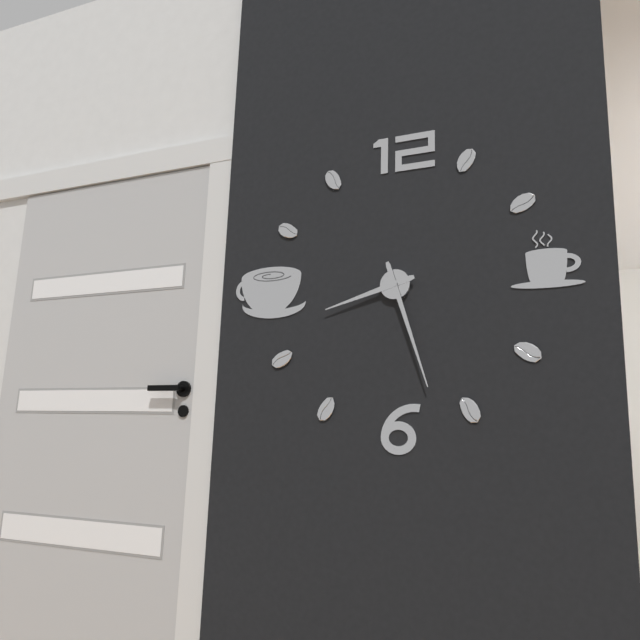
**8:27**
